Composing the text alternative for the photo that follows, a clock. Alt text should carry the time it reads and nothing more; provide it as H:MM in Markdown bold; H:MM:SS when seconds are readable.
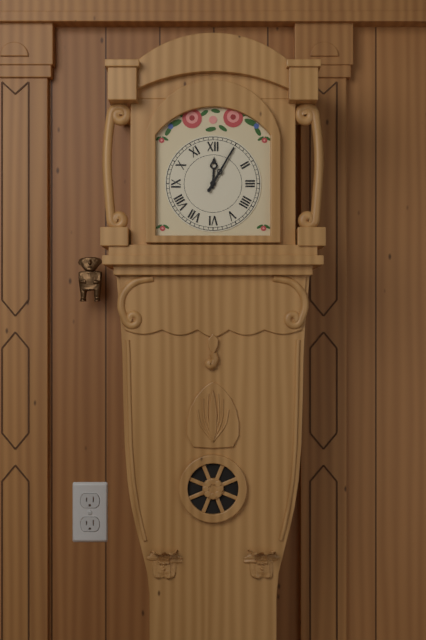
**12:05**
